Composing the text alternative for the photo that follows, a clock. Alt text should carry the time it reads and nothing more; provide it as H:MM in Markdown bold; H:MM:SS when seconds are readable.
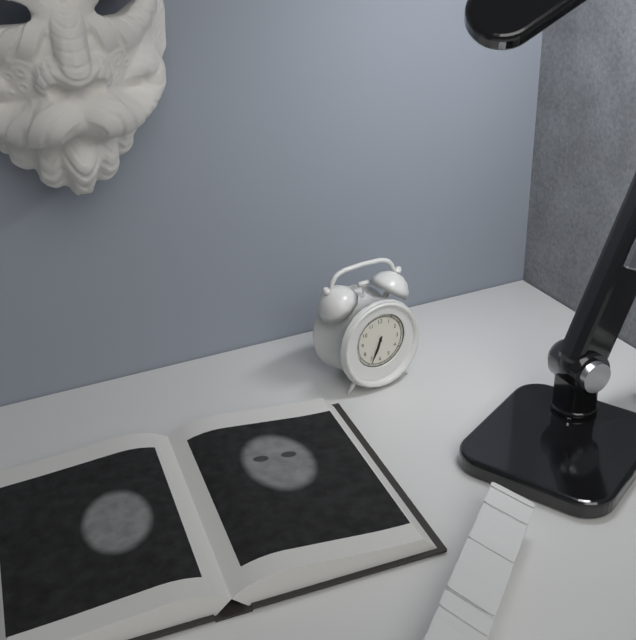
**6:34**
